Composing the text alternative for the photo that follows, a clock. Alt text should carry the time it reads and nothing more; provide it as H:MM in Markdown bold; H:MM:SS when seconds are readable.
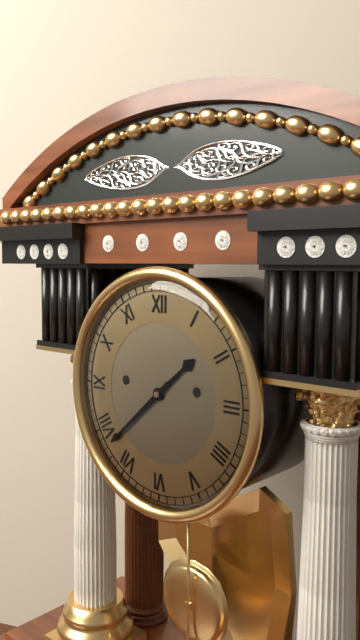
**1:38**
